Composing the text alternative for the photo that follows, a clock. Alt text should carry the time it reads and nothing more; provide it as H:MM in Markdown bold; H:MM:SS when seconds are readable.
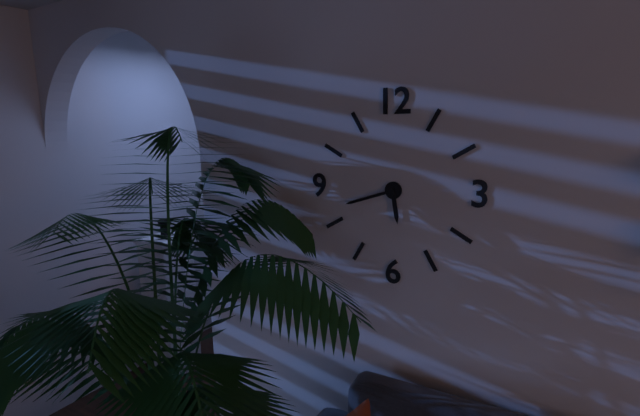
**5:42**
